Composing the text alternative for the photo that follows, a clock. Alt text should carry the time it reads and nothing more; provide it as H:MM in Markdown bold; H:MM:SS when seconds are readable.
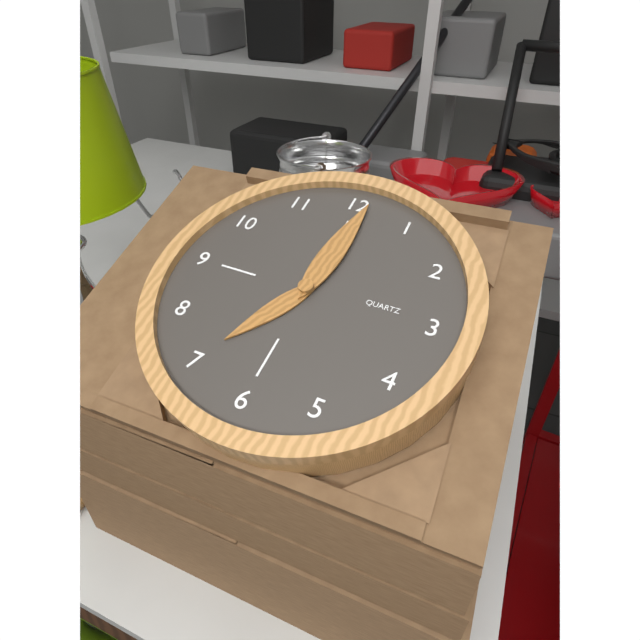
**7:01**
